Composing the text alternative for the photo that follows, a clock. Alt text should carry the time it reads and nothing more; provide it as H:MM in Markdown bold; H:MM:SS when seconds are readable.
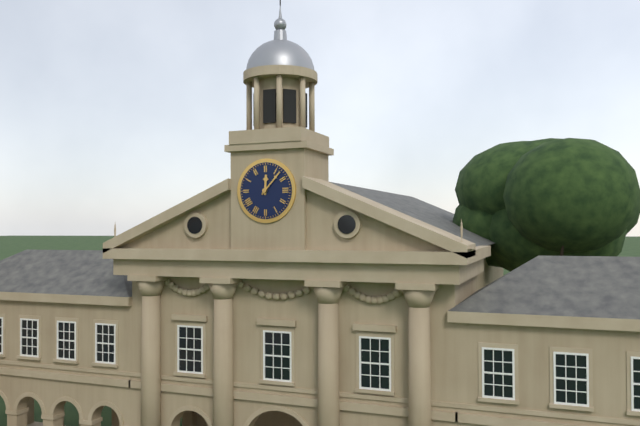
**12:07**
